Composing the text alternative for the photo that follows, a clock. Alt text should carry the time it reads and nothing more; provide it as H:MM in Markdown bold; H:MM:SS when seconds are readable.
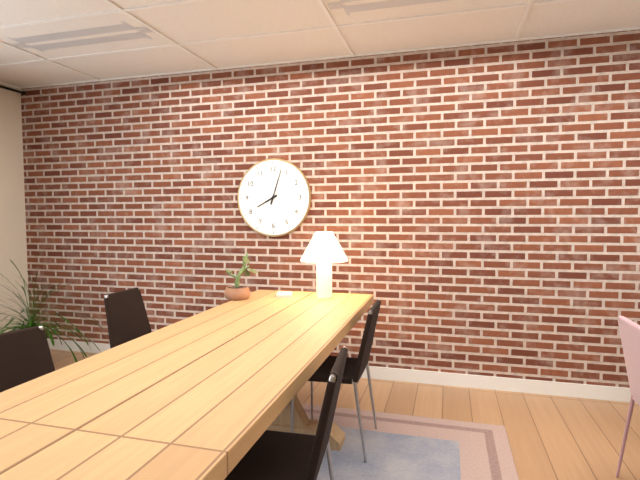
**8:03**
